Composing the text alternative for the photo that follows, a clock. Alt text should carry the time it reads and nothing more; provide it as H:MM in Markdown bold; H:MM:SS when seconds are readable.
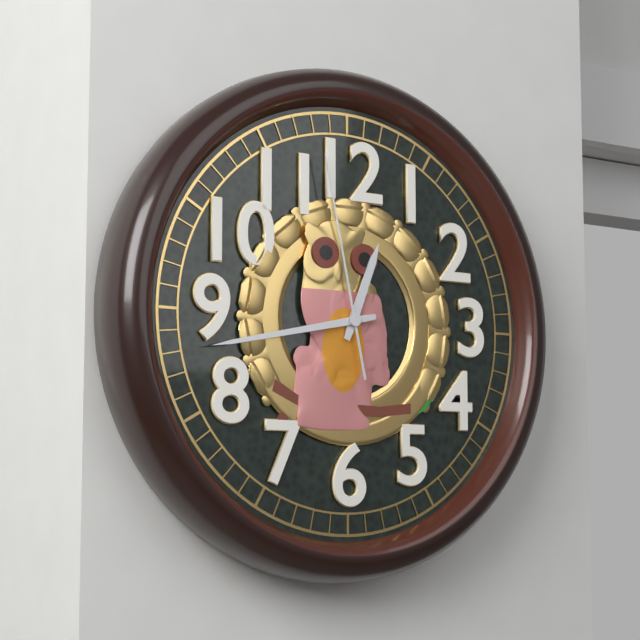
**12:43:58**
